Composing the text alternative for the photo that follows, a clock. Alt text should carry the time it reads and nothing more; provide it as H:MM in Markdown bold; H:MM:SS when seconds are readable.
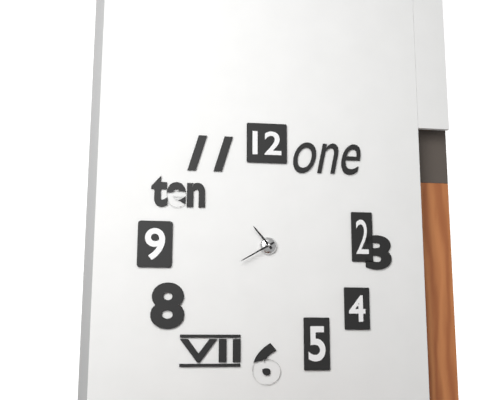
**10:40**
